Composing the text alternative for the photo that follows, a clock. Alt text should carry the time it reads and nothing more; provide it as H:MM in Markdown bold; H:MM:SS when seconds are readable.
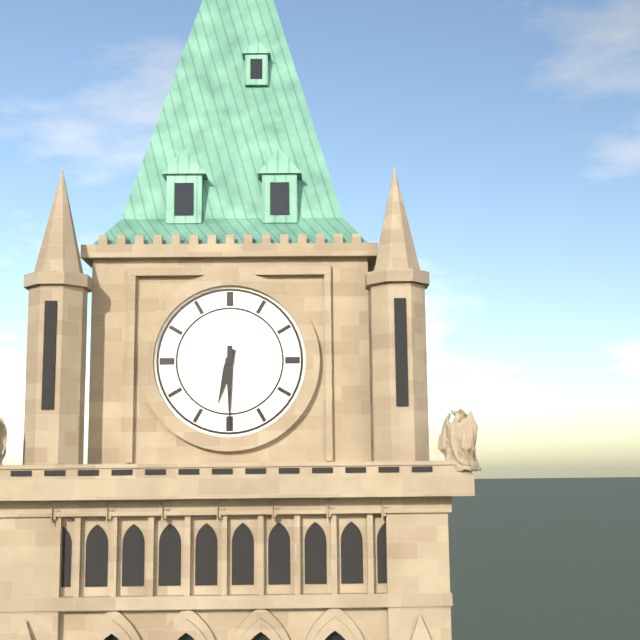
**6:30**
